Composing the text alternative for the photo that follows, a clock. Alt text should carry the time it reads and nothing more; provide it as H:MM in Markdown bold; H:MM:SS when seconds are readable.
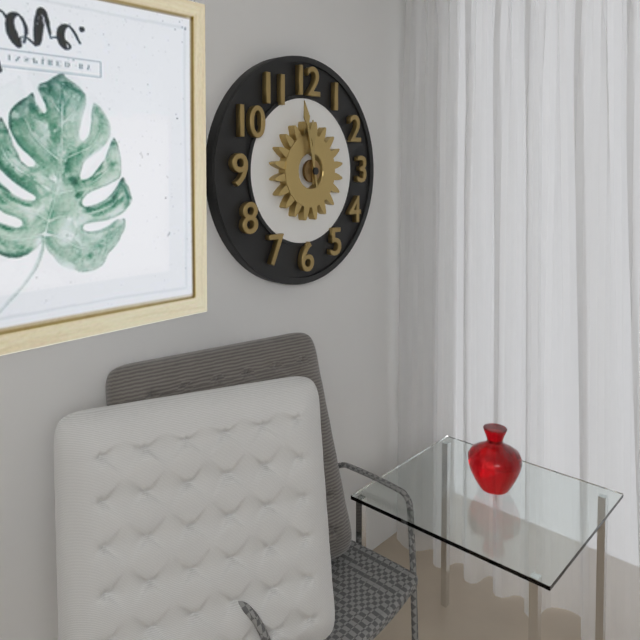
**11:58**
